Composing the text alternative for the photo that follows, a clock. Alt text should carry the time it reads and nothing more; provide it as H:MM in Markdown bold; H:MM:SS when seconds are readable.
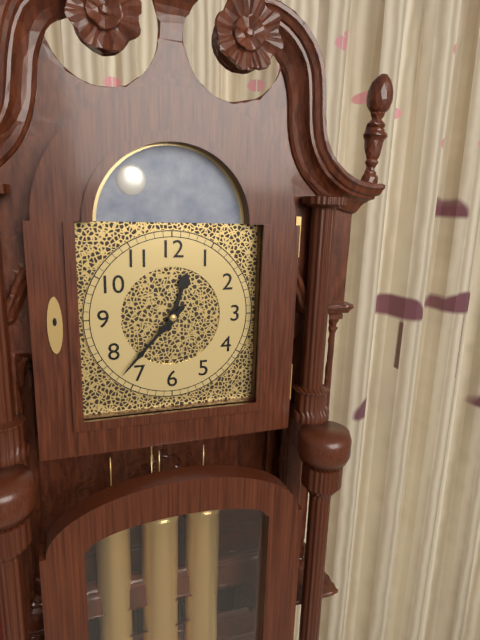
**12:37**
